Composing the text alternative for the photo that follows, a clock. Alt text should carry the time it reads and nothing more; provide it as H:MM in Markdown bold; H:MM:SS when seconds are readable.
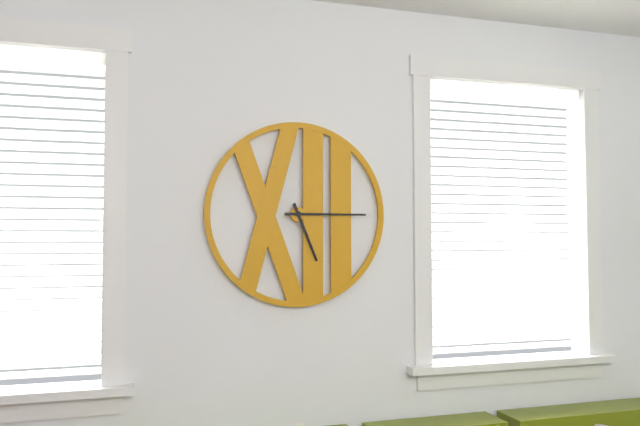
**5:15**
